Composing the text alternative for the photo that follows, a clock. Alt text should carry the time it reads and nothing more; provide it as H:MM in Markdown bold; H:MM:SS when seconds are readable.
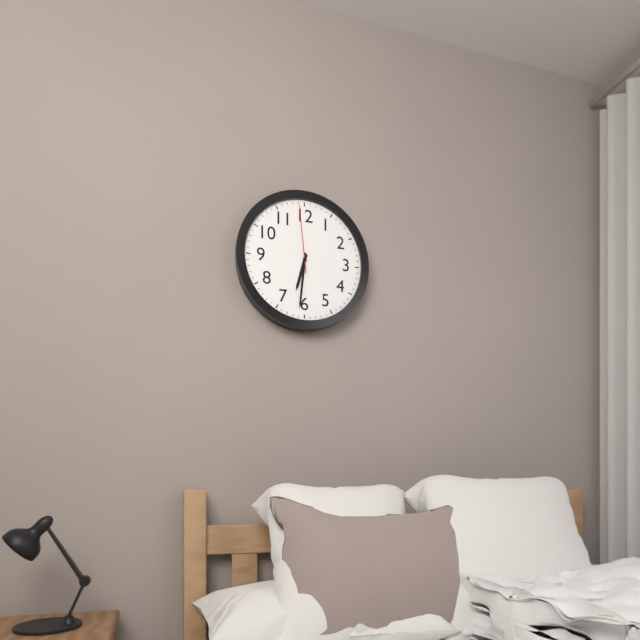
**6:31:59**
